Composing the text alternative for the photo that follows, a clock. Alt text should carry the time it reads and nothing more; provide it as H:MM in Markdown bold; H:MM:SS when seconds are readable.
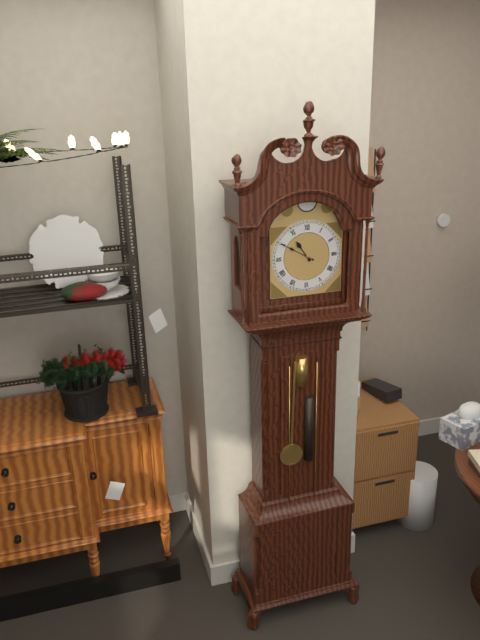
**10:50**
